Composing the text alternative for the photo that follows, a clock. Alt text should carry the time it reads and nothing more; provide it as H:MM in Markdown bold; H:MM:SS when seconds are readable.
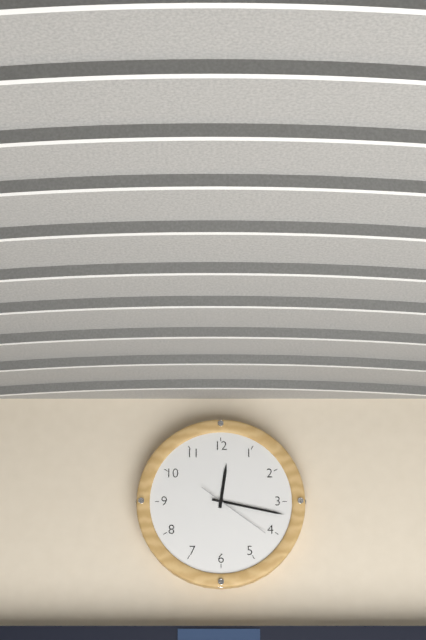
**12:17:21**
